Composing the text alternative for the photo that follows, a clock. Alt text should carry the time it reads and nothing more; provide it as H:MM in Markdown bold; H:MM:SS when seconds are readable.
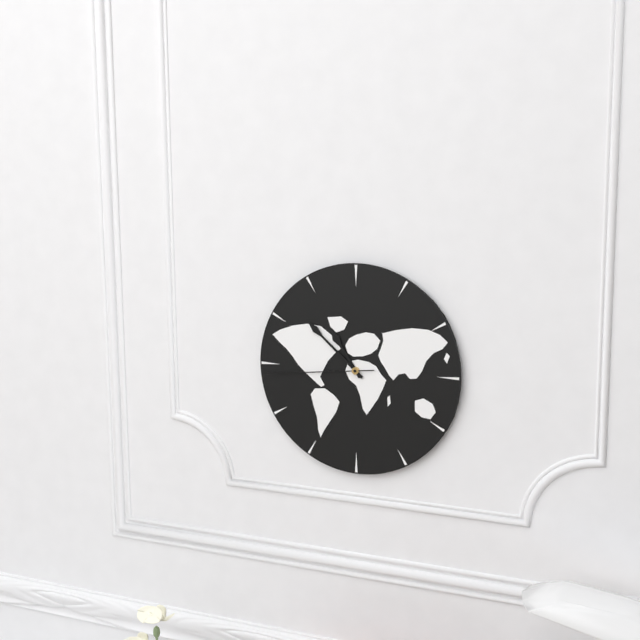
**10:52:44**
